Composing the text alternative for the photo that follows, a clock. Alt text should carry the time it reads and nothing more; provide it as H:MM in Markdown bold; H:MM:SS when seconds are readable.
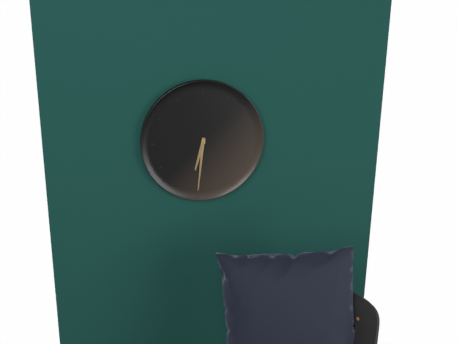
**6:31**
